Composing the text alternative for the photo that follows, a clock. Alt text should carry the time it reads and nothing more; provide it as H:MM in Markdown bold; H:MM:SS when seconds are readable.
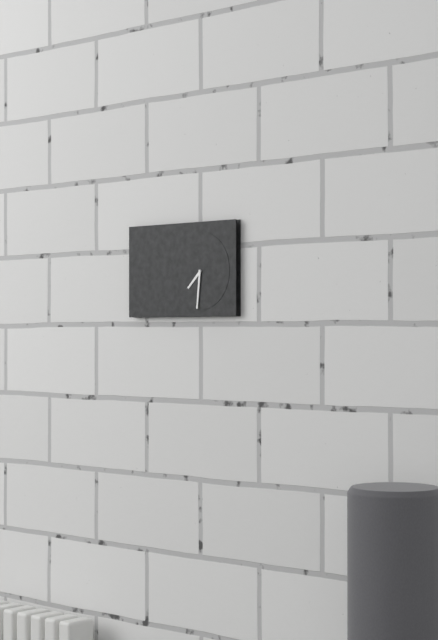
**7:31**
